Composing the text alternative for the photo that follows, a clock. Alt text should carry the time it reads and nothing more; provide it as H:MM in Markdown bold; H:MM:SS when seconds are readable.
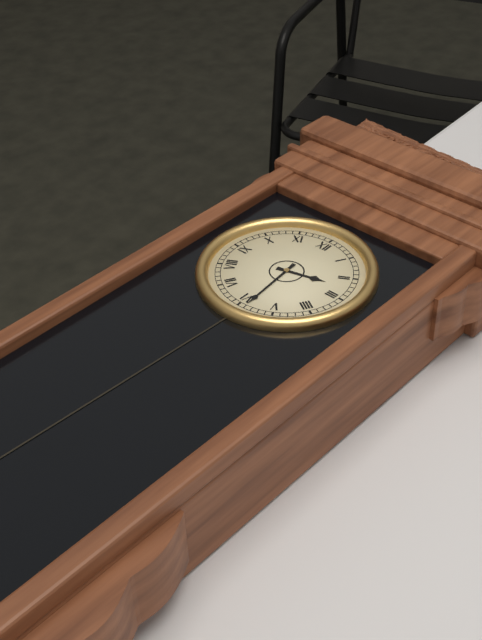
**2:29**
